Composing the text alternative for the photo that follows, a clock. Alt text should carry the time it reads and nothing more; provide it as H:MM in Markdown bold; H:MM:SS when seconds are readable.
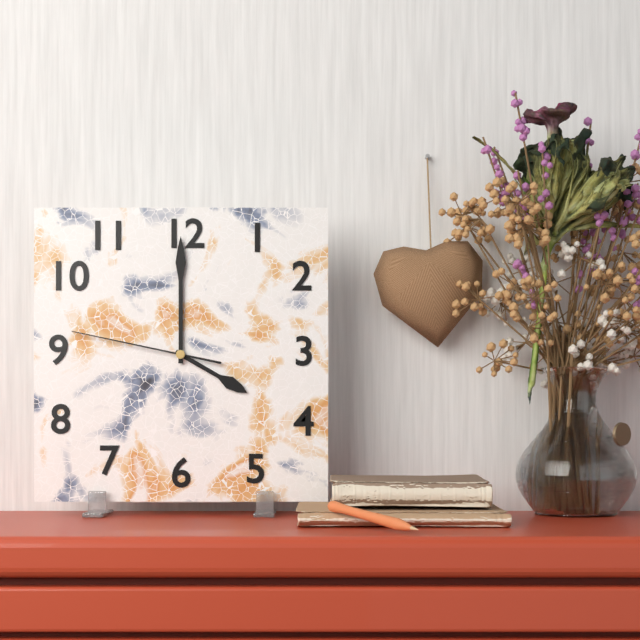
**4:00:47**
